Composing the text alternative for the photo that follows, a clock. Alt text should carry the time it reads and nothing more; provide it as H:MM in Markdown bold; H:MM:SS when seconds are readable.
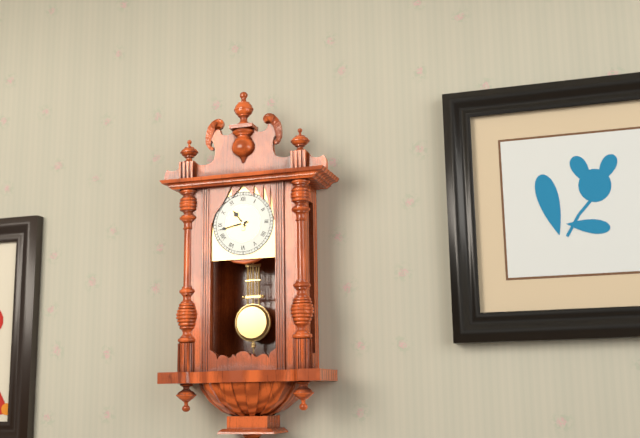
**10:43**
